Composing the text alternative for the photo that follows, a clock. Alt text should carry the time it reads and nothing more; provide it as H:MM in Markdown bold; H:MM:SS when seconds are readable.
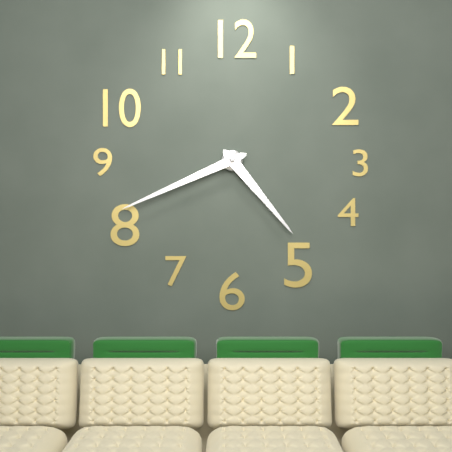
**4:41**
